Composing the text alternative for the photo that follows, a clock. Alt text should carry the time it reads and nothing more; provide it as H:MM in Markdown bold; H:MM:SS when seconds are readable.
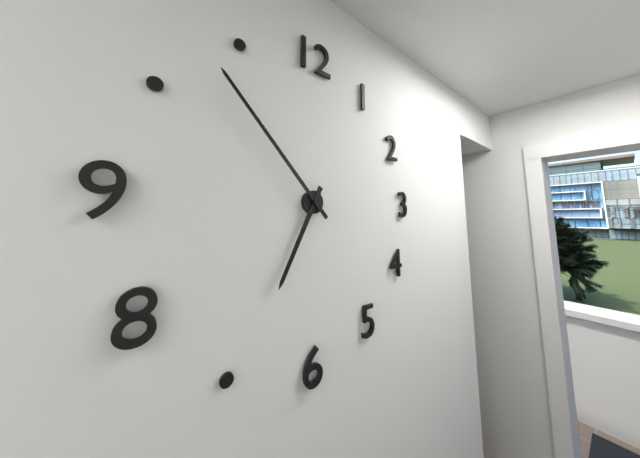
**6:53**
